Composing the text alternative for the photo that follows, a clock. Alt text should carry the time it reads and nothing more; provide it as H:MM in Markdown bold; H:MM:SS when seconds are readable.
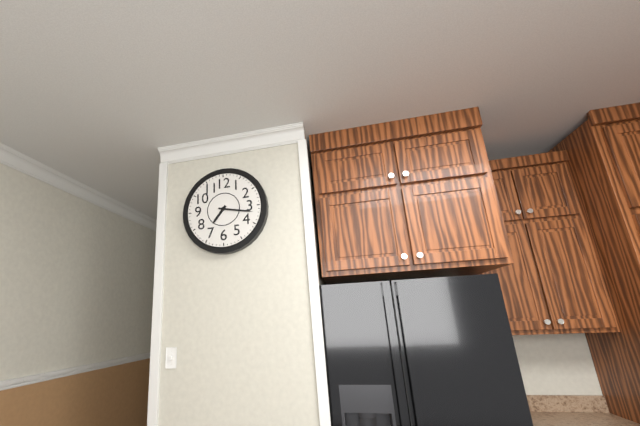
**7:17**
